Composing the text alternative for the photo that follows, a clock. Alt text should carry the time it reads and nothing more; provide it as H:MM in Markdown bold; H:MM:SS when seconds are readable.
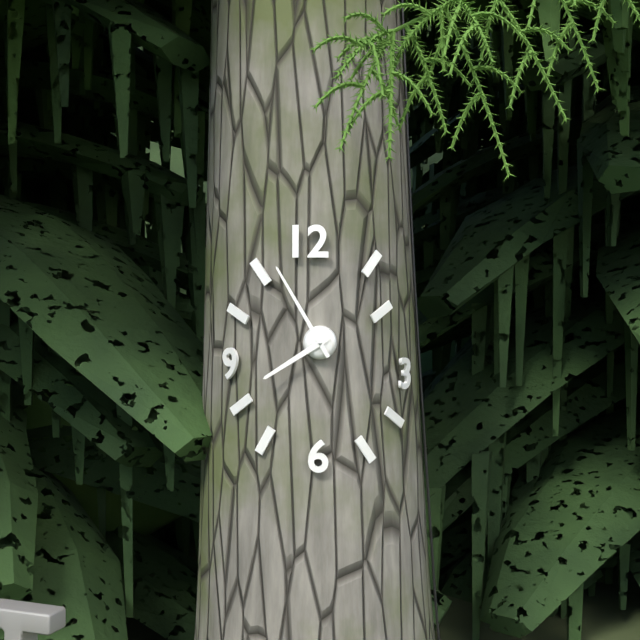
**7:55**
